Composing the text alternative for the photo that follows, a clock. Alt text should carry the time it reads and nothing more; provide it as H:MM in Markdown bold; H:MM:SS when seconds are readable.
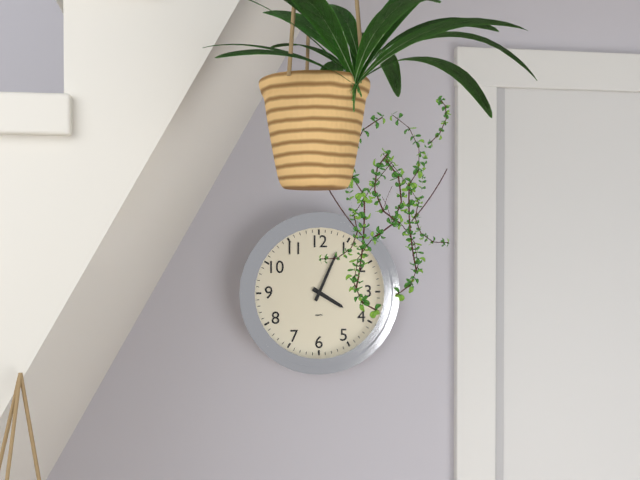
**4:04**
